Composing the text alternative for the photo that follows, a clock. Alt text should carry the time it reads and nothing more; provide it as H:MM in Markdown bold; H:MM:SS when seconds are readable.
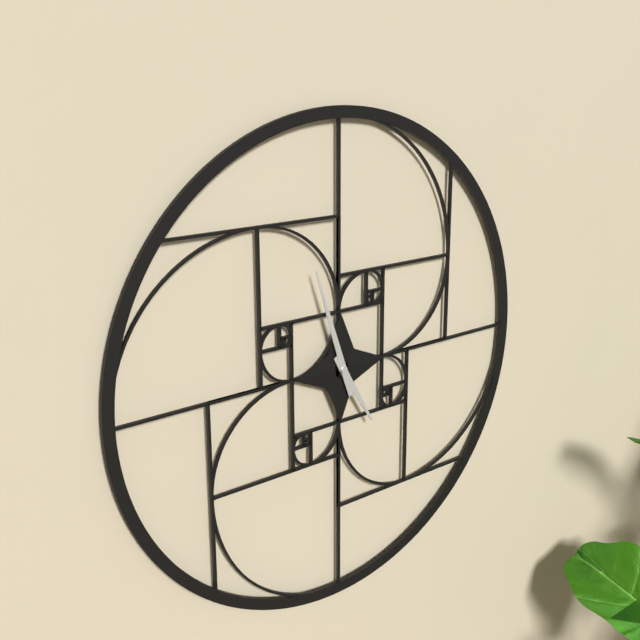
**4:57**
